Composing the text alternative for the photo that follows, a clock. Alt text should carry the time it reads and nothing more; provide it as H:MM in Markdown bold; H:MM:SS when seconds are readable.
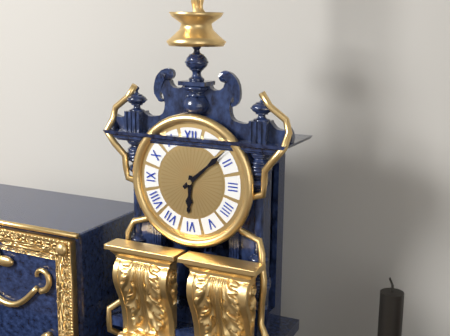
**6:08**
